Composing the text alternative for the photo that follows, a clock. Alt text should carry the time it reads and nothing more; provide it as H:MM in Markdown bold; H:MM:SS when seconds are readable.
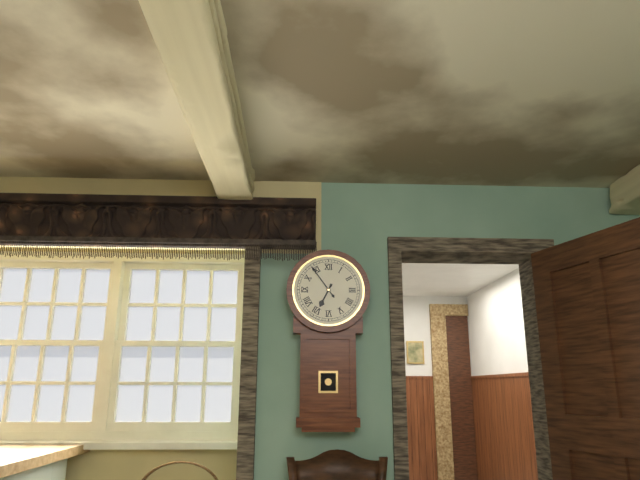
**6:54**
